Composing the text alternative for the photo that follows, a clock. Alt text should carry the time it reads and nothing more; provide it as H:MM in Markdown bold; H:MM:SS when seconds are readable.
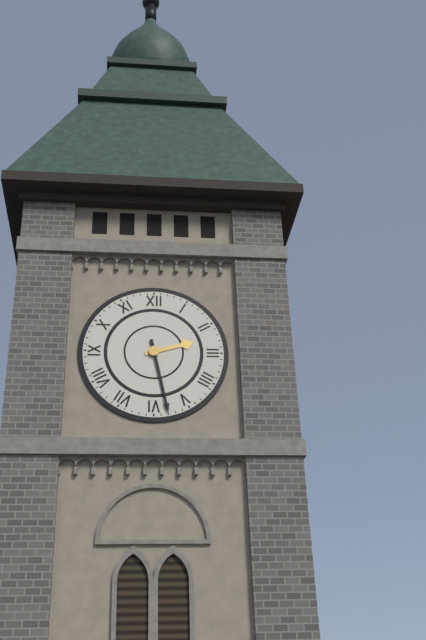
**2:28**
